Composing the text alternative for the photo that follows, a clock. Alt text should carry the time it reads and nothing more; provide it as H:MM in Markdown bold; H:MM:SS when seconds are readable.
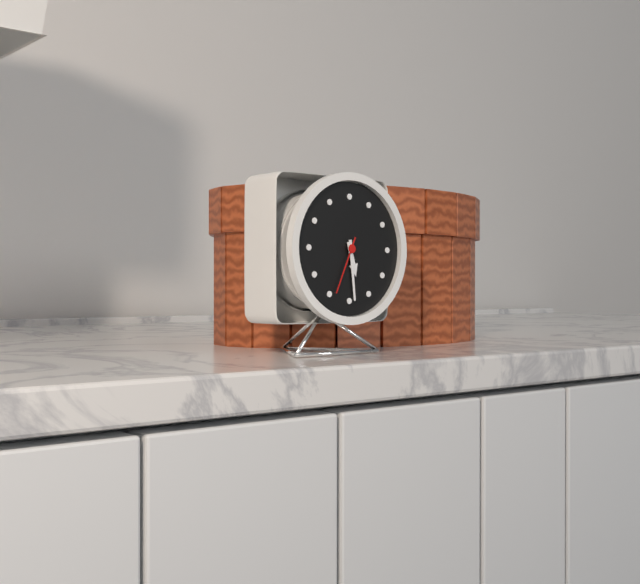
**5:29:34**
